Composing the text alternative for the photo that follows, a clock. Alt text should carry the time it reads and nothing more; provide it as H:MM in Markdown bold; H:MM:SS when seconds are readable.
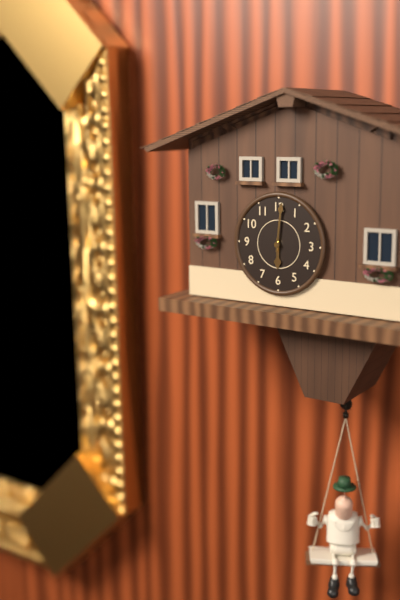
**6:01**
